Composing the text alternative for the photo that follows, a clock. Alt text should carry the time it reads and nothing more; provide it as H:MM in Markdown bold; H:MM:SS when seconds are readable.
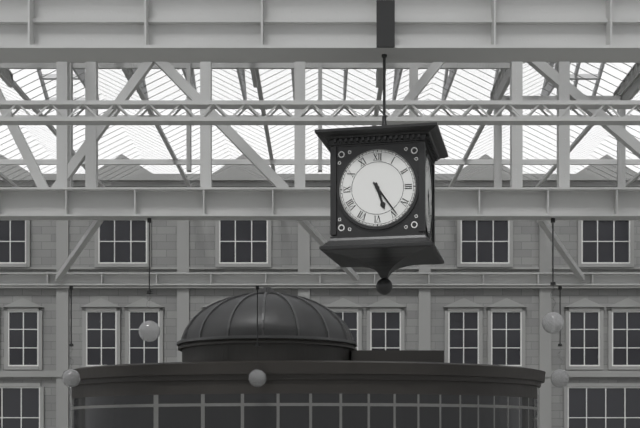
**5:24**
